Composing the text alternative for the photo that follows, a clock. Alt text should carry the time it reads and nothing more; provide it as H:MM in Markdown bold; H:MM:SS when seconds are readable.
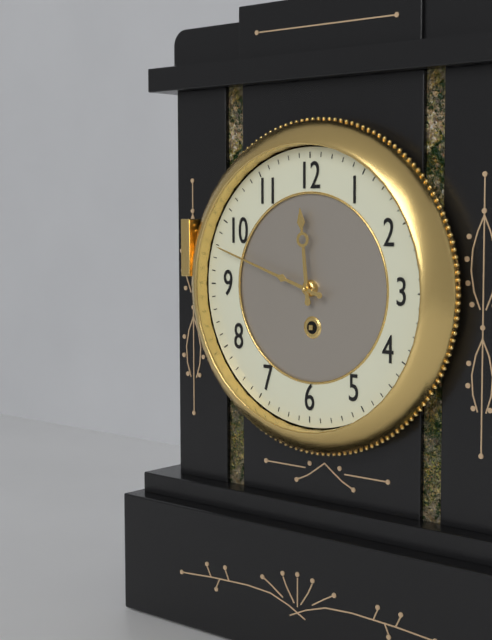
**11:48**
